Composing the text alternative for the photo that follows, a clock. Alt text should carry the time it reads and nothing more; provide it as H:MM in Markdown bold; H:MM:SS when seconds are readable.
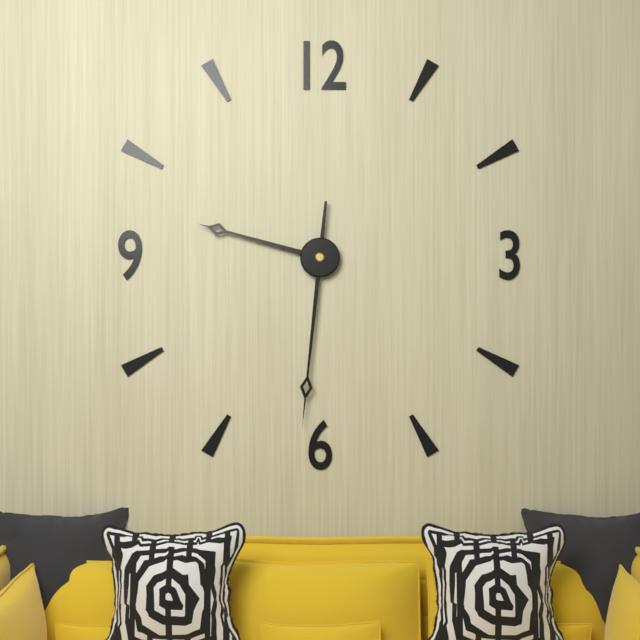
**9:31**
